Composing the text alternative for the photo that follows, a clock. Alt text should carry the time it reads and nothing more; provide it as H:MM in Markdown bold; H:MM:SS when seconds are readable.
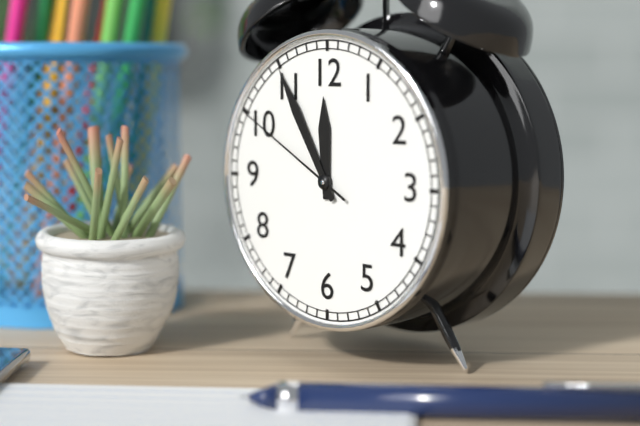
**11:55:50**
